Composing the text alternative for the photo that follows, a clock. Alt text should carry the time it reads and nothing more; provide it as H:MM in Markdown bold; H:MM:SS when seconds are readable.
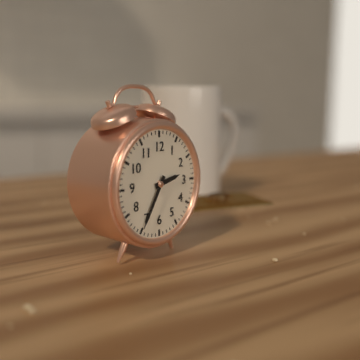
**2:35**
